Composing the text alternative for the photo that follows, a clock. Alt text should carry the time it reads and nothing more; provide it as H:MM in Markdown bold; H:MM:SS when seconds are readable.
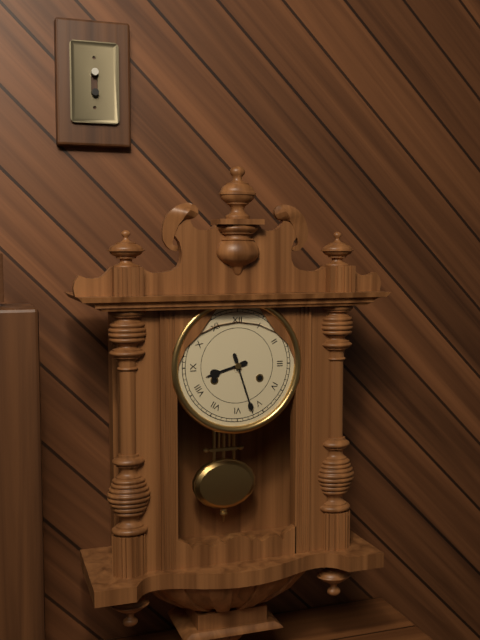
**8:27**
